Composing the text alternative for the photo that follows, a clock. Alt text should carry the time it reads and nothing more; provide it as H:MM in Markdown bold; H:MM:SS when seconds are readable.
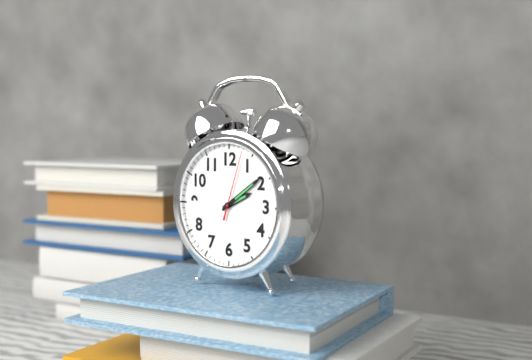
**2:09:03**
